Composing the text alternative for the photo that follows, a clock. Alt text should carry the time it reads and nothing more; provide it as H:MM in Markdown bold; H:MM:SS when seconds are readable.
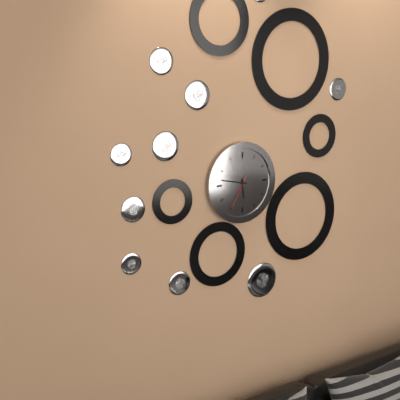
**5:47**
